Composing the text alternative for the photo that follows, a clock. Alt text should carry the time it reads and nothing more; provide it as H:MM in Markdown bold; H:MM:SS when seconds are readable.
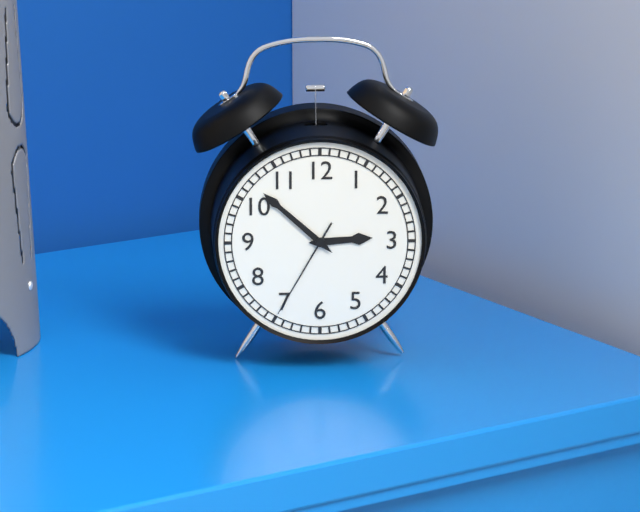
**2:52:35**
